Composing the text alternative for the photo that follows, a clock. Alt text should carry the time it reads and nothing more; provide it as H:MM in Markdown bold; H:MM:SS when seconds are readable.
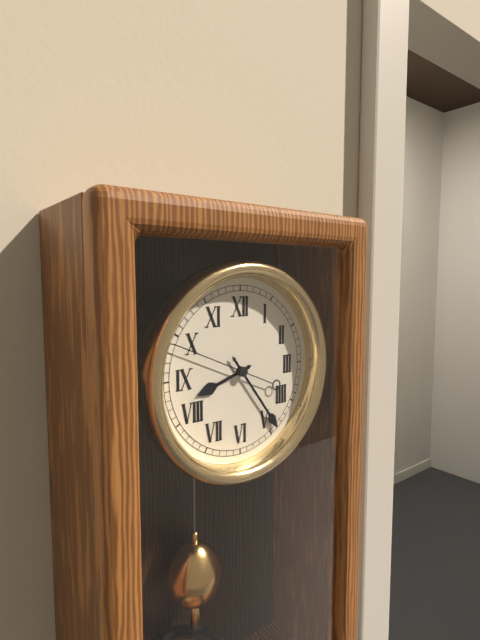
**8:24:49**
